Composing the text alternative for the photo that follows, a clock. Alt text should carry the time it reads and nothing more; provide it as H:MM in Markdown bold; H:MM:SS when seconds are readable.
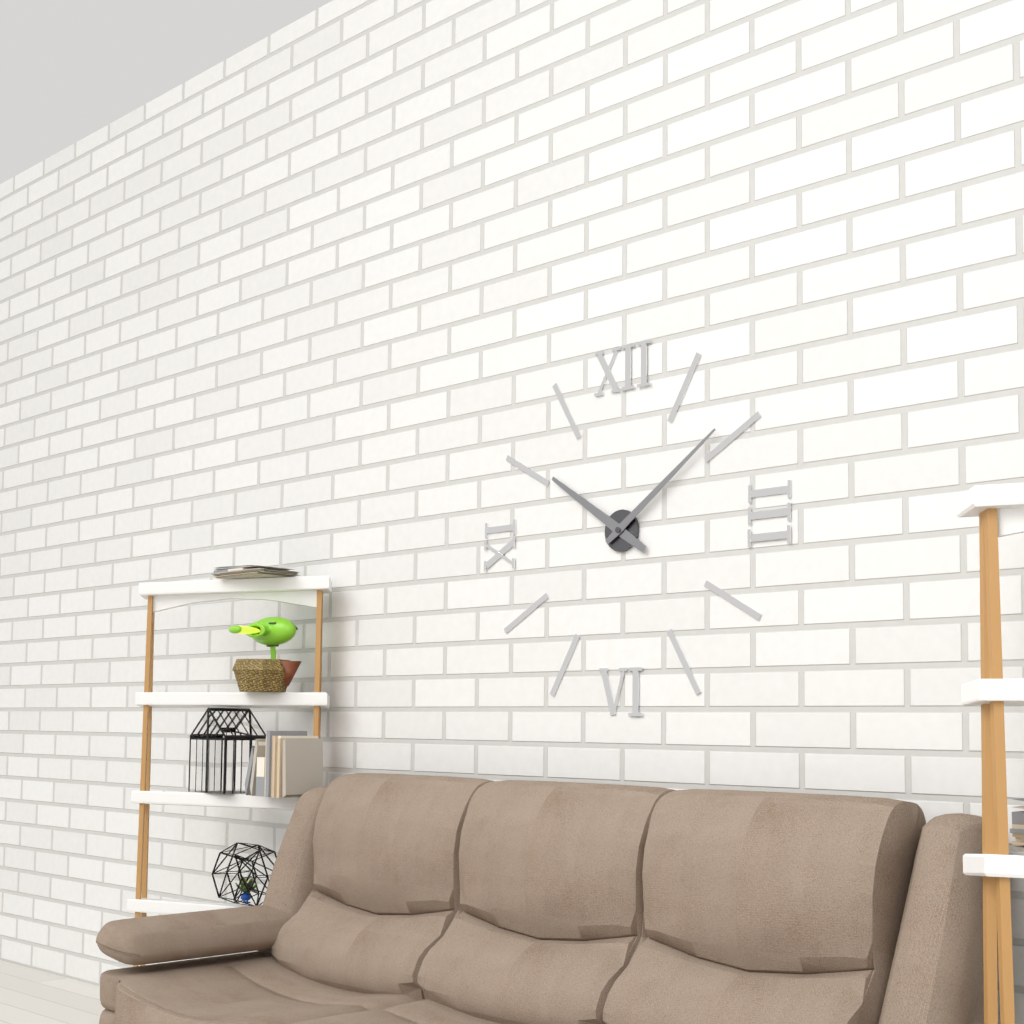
**10:09**
